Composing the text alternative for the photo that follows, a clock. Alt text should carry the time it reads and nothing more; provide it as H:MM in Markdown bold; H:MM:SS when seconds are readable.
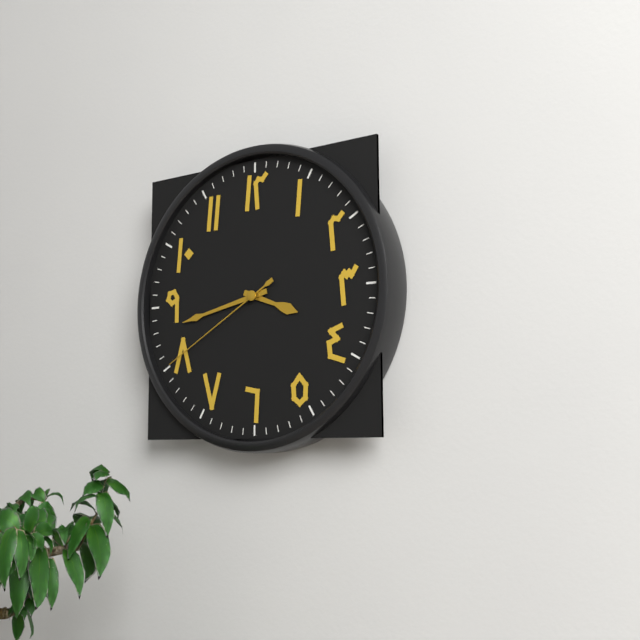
**3:43:40**
